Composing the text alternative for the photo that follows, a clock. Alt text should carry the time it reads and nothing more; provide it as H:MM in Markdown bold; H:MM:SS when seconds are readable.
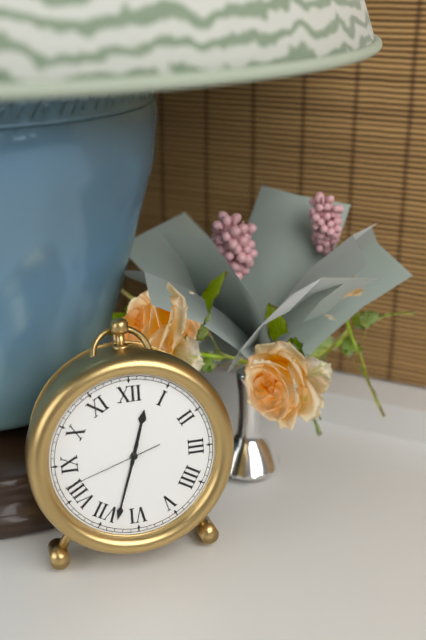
**12:33:42**
